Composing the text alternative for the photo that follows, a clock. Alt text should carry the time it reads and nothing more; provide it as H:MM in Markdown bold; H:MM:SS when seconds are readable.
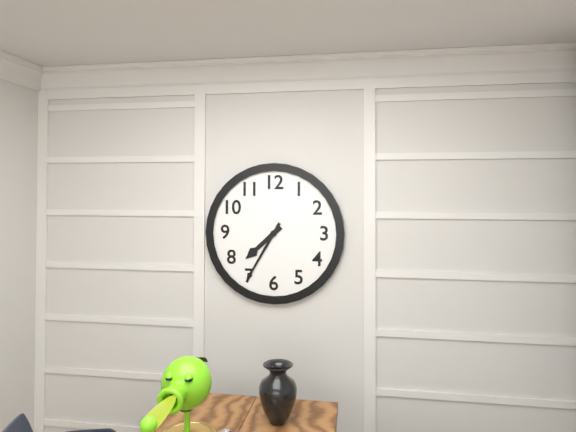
**7:35**
